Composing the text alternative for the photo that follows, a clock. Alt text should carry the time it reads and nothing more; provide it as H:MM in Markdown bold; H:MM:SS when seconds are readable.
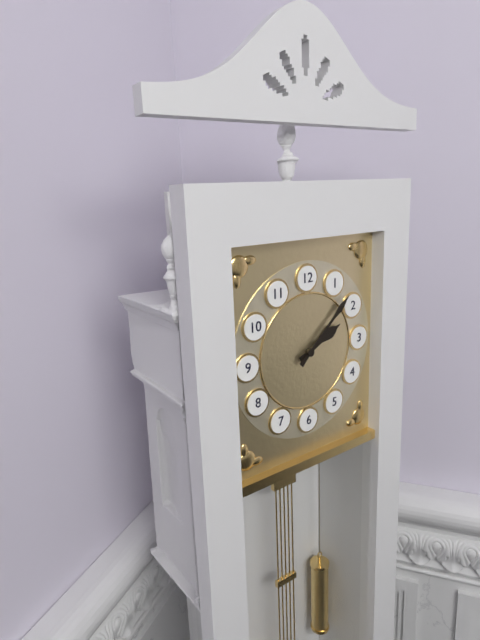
**2:08**
